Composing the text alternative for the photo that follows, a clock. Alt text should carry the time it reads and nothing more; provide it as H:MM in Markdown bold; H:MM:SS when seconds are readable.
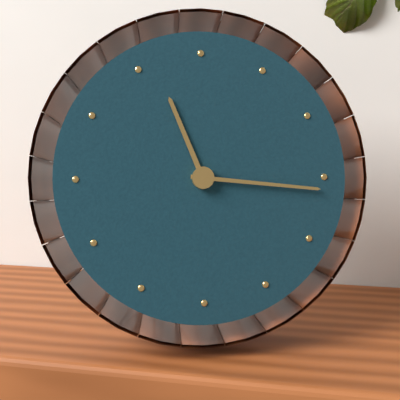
**11:16**
